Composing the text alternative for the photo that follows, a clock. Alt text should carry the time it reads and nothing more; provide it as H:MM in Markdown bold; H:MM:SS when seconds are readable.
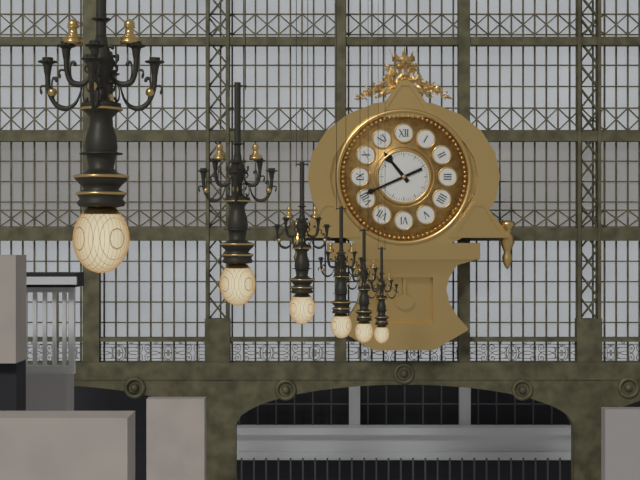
**10:41**
